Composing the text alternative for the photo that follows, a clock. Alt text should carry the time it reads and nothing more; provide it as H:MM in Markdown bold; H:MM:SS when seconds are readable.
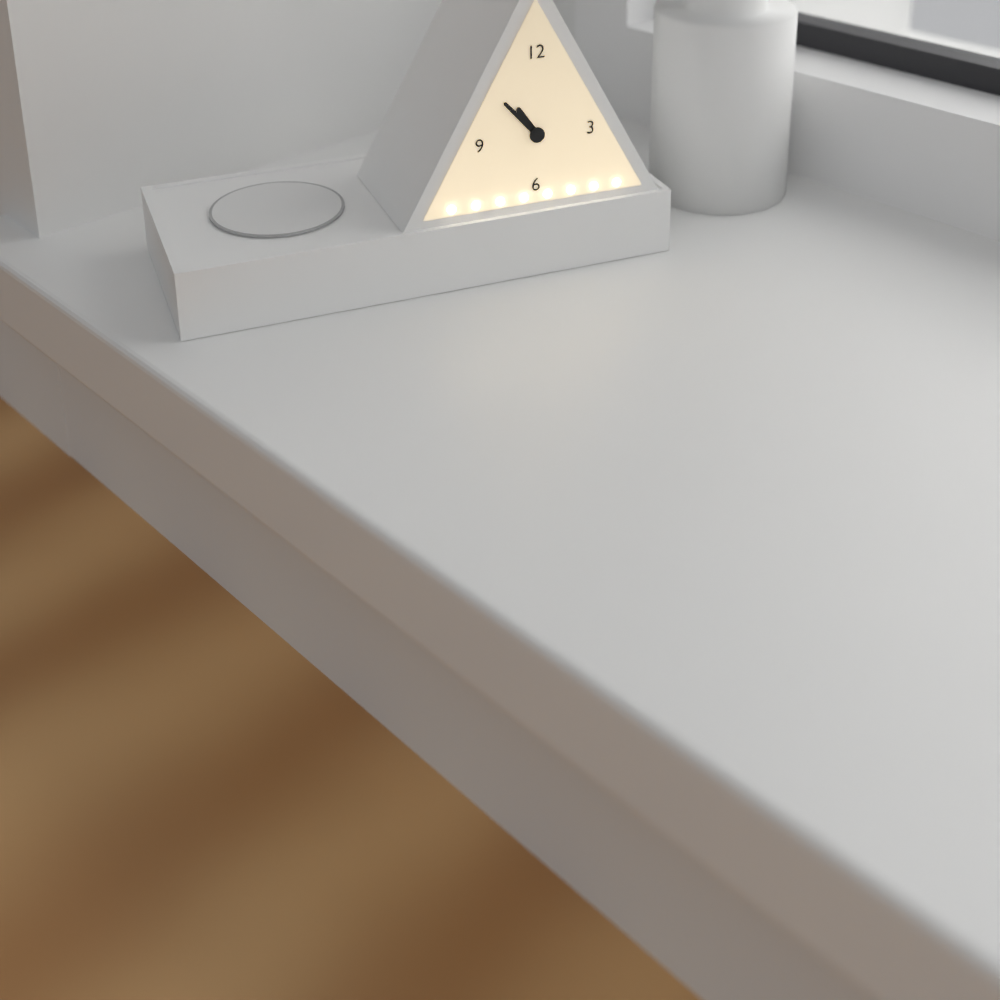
**10:53**
